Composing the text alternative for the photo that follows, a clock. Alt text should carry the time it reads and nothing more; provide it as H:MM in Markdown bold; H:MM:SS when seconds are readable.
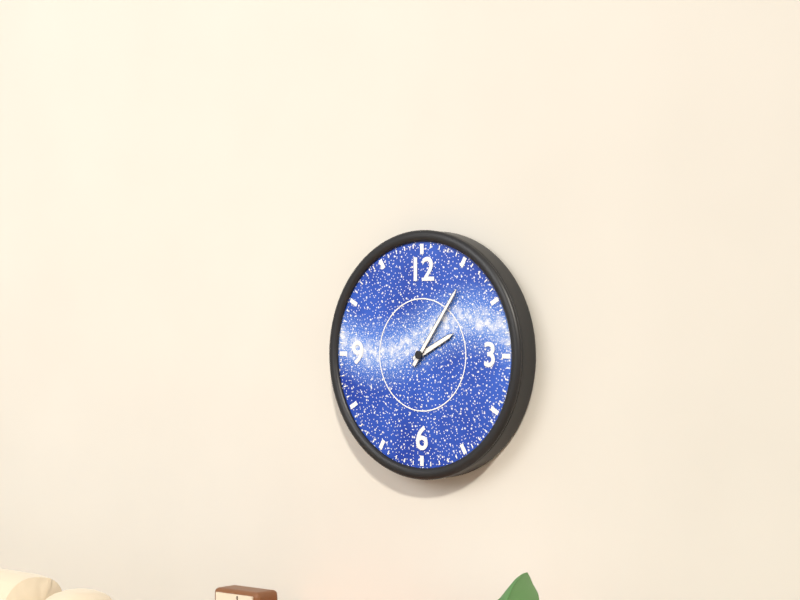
**2:06**
